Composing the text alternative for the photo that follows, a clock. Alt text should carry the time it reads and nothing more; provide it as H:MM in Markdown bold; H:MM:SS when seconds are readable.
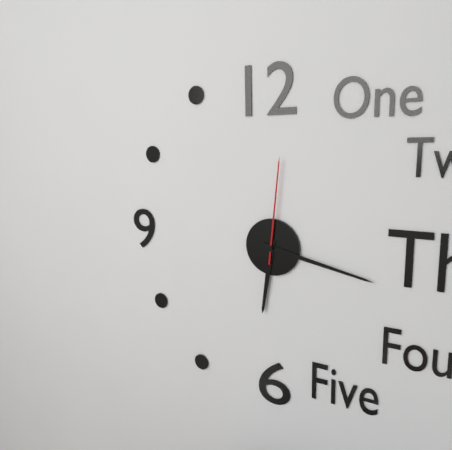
**6:17:01**
